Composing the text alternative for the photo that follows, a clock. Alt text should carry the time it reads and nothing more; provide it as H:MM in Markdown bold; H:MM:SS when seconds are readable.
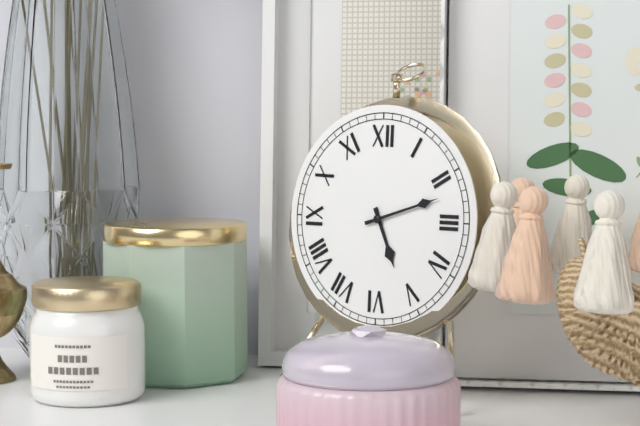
**5:12**
